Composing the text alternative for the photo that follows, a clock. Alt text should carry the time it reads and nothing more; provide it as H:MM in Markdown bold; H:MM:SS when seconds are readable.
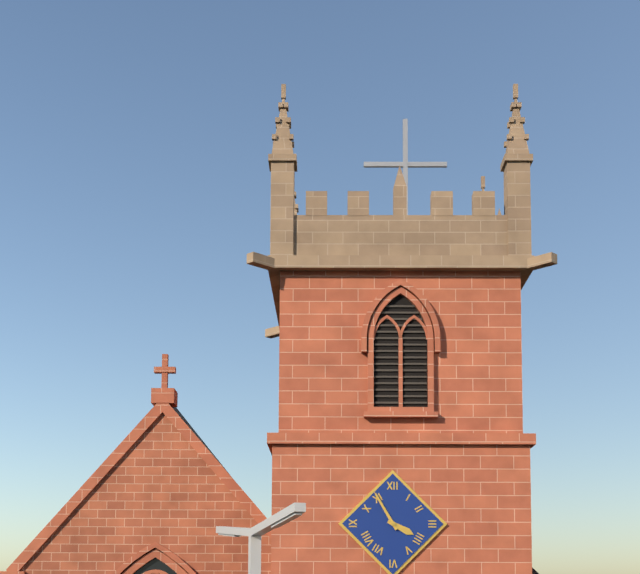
**3:55**
